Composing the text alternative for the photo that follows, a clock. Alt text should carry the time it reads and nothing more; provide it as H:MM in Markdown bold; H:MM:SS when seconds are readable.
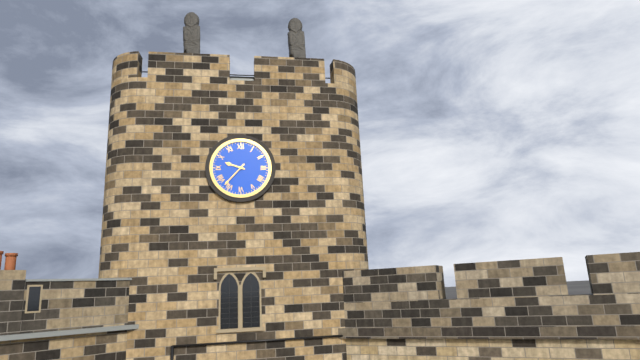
**9:37**
